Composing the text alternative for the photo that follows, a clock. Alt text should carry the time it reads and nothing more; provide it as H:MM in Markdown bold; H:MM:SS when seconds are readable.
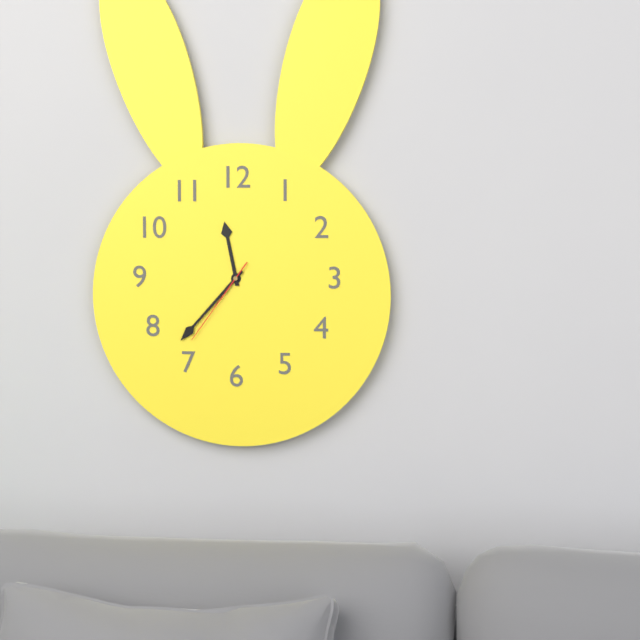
**11:37:36**
